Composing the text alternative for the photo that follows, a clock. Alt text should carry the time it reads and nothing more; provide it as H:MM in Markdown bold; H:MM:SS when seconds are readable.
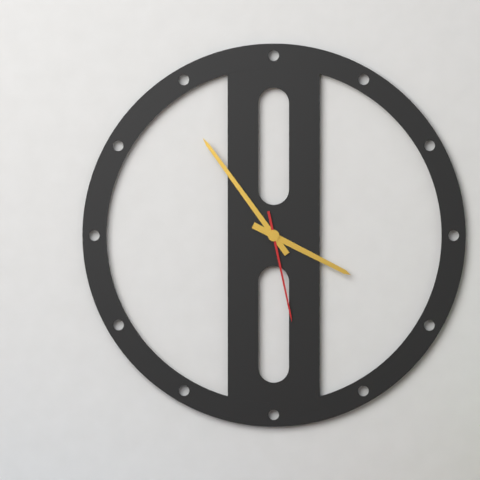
**3:54:28**
